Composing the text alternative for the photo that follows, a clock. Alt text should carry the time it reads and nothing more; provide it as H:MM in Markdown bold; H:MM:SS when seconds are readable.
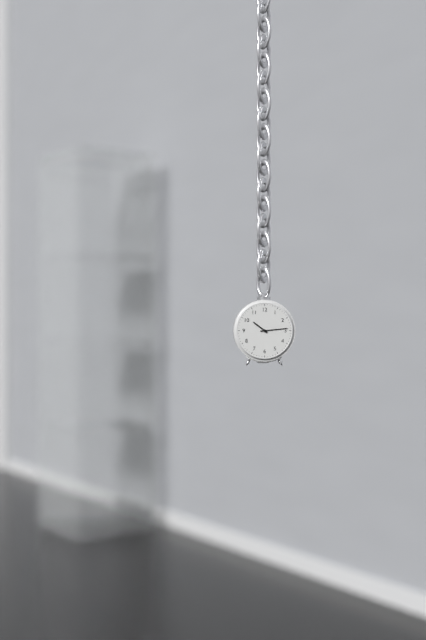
**10:14**
